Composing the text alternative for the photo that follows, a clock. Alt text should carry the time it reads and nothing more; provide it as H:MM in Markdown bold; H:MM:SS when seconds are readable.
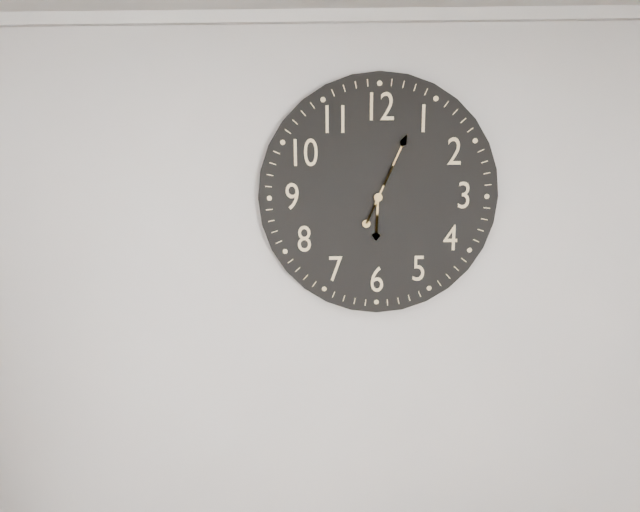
**6:04**
